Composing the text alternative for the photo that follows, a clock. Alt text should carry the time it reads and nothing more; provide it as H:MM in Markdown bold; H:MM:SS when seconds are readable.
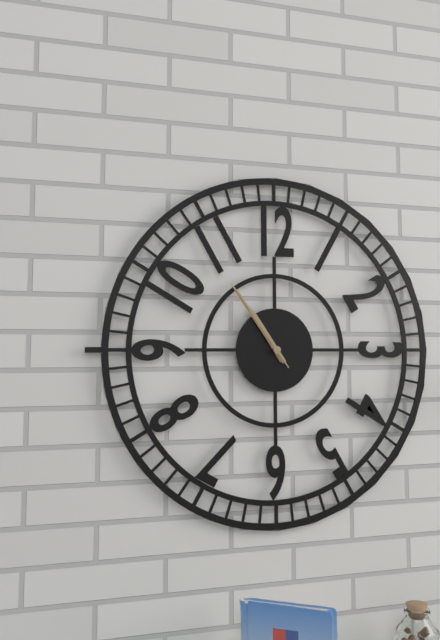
**10:54:54**
